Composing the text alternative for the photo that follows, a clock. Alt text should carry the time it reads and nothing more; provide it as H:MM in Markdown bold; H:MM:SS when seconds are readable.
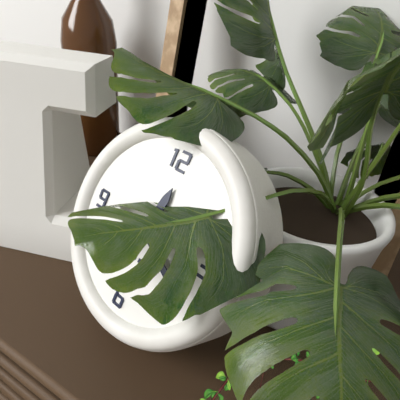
**12:20**
